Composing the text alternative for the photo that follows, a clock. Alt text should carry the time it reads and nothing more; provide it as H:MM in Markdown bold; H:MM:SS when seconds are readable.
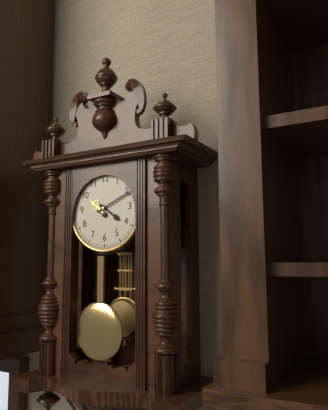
**4:11**
